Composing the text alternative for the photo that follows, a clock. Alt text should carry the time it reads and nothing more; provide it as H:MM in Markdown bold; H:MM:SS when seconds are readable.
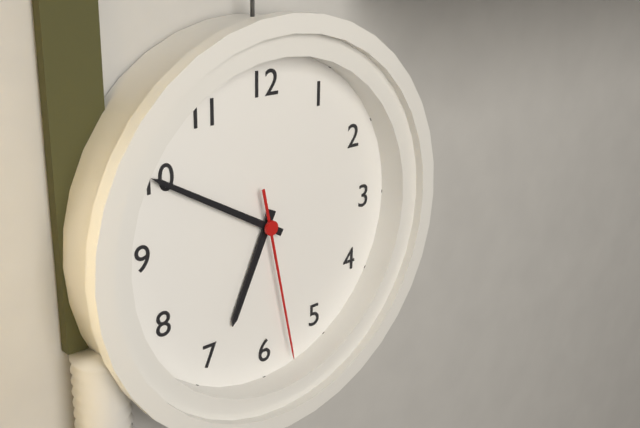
**6:50:28**
